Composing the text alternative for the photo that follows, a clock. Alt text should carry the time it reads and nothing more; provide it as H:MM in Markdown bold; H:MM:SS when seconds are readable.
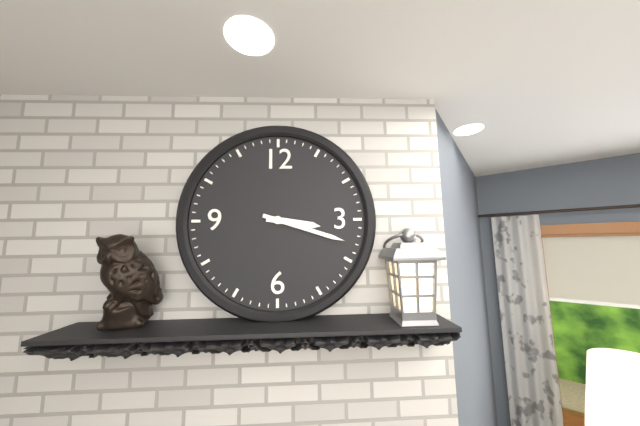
**3:18**
